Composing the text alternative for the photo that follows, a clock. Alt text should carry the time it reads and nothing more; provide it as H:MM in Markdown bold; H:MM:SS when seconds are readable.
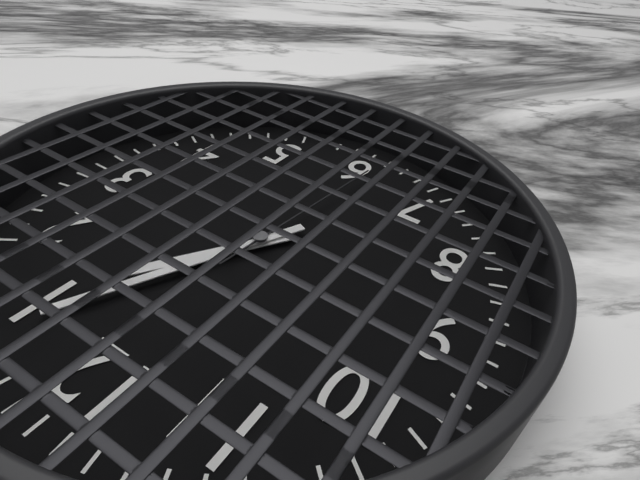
**1:04:31**
